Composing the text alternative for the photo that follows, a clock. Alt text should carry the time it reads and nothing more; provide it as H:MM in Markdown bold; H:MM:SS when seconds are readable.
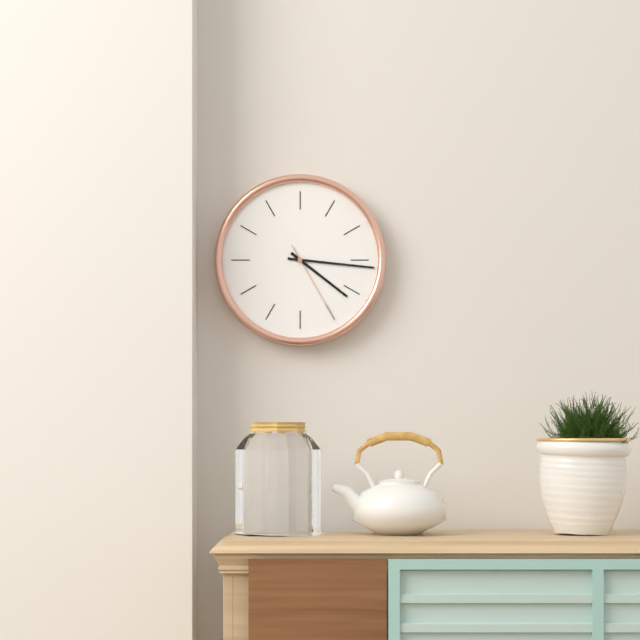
**4:16:25**
